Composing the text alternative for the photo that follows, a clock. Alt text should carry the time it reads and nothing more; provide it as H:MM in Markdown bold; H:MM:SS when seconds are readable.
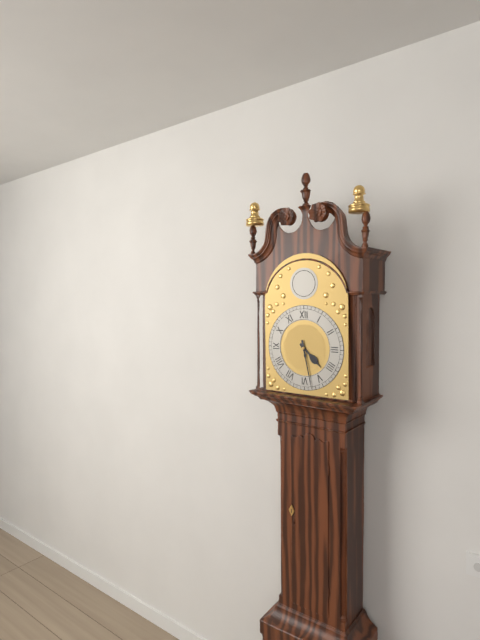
**4:28**
